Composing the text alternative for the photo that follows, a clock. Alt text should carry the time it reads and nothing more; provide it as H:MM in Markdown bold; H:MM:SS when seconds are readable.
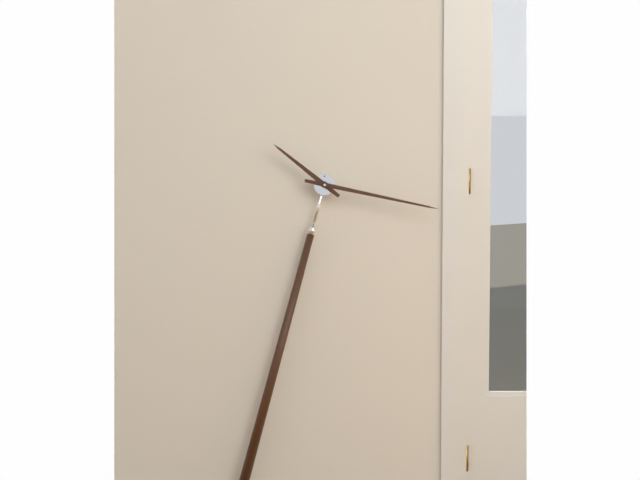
**10:17**
